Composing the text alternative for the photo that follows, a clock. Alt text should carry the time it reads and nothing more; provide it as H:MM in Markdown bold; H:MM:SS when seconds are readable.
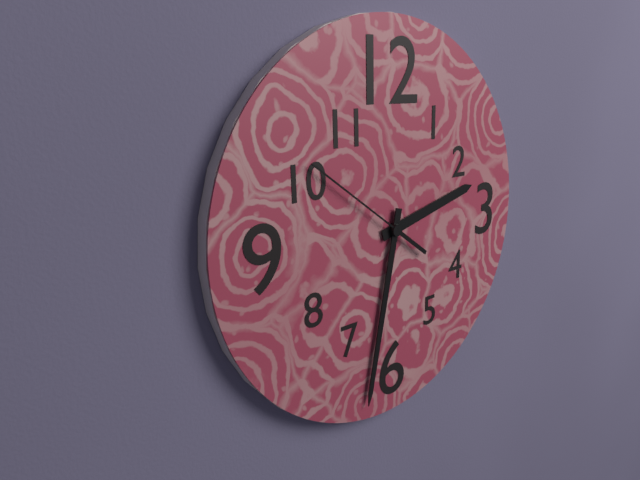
**2:32:51**
